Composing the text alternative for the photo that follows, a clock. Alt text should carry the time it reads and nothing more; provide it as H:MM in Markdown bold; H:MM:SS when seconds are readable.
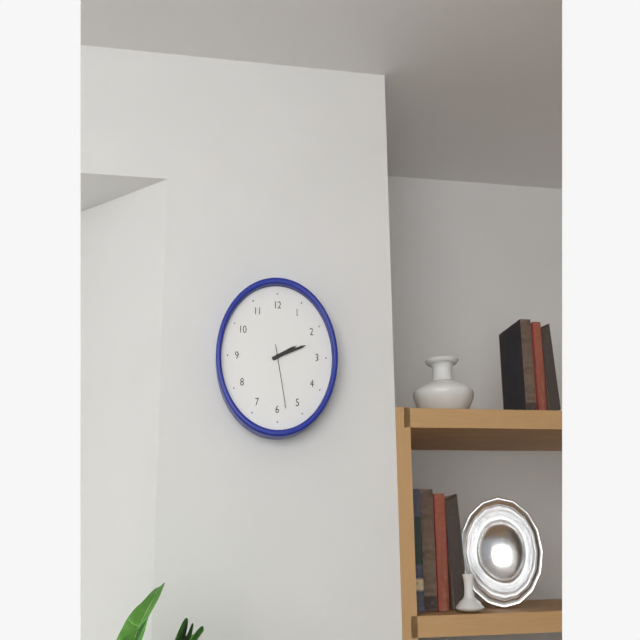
**2:12:28**
